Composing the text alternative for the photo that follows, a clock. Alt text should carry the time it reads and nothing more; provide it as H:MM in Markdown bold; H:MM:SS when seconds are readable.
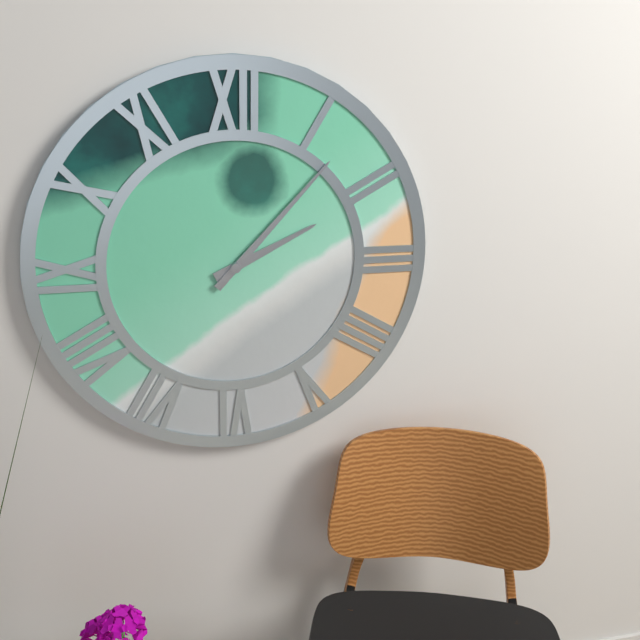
**2:07**
